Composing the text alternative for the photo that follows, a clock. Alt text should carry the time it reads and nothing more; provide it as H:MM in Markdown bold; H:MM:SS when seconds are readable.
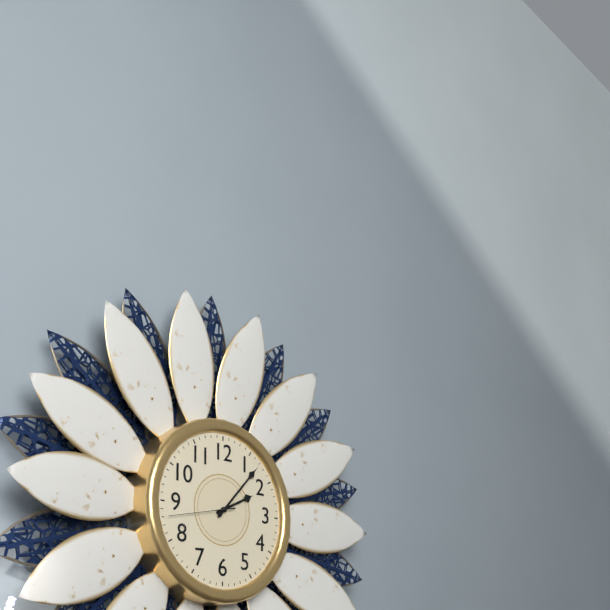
**2:07:43**
